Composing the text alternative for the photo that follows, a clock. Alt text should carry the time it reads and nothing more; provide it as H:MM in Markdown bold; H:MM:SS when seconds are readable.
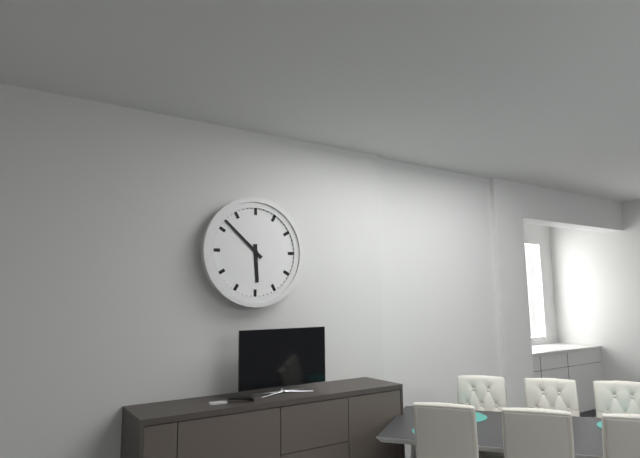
**5:52**
